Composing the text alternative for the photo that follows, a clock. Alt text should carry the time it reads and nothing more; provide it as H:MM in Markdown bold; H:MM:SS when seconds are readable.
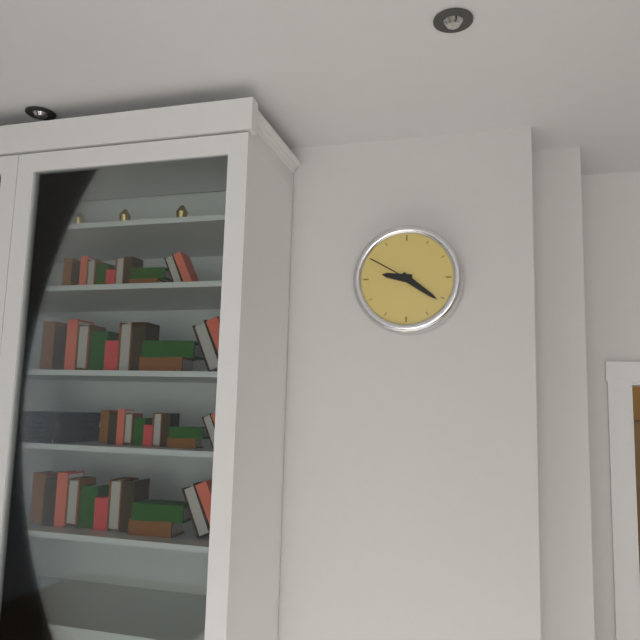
**9:21:50**
